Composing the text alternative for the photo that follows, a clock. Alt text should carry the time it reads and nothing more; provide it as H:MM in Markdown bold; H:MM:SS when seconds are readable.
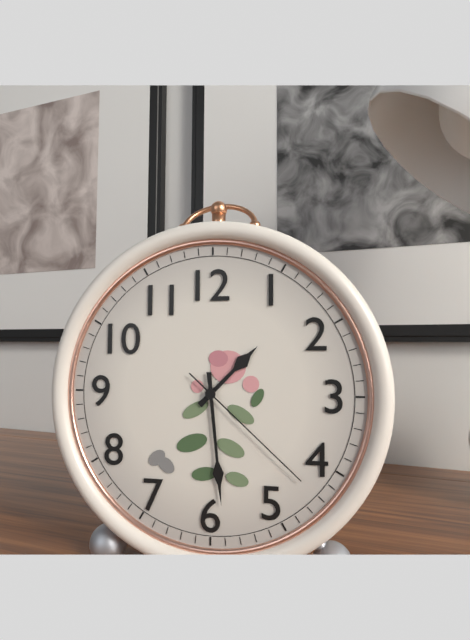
**1:29:22**
